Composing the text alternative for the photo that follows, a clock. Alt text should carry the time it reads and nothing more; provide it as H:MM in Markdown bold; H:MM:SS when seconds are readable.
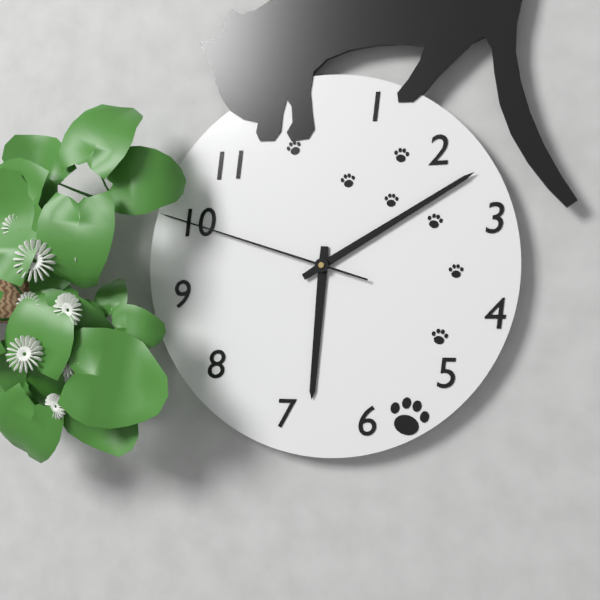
**6:10:48**
